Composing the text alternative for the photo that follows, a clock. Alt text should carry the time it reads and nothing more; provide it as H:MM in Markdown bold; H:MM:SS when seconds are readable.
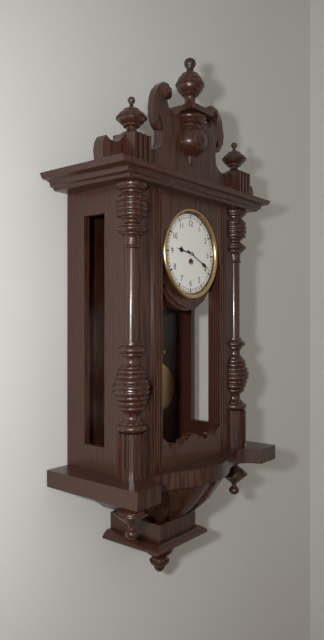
**9:19**
